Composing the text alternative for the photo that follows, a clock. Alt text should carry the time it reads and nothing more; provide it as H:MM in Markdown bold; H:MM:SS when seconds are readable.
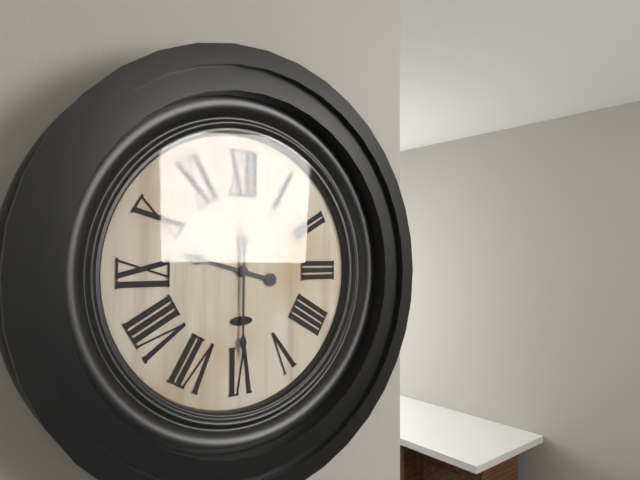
**9:30**
